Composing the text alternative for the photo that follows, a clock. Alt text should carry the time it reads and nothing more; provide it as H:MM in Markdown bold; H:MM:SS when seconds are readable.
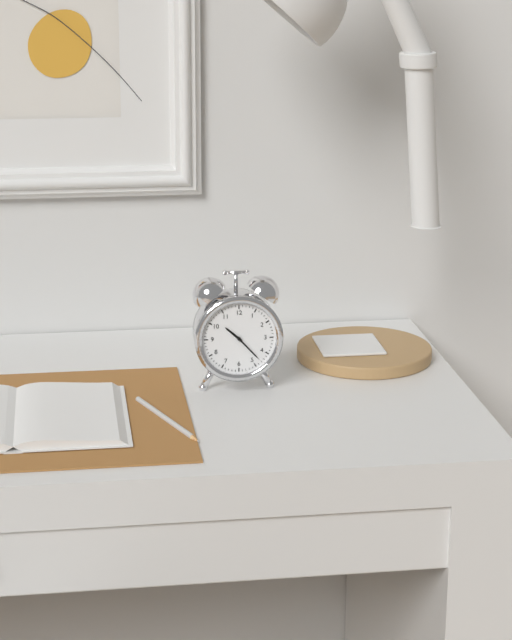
**10:23**
